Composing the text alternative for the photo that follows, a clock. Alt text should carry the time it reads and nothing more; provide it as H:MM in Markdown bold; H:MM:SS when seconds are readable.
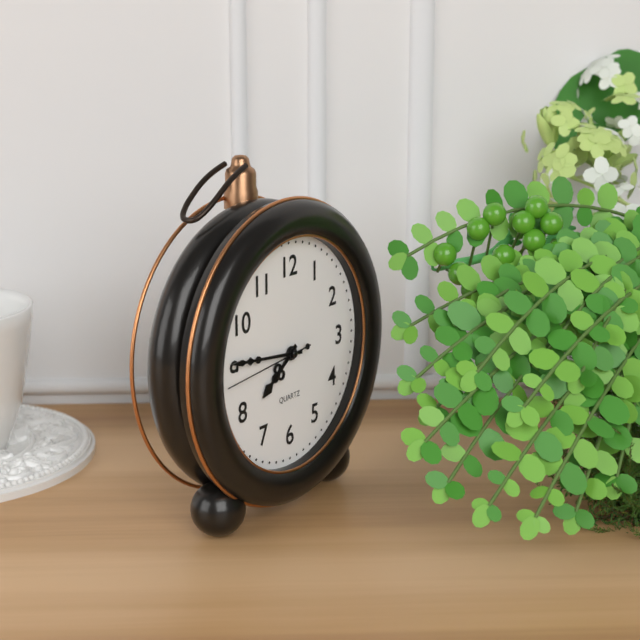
**7:46:44**
